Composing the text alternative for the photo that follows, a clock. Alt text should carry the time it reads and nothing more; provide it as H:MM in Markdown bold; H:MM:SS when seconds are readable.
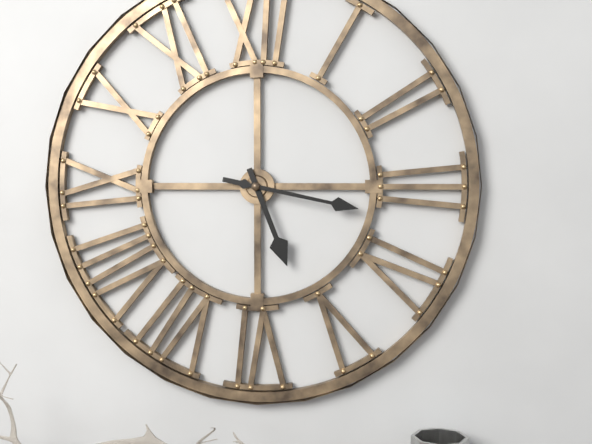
**5:17**
